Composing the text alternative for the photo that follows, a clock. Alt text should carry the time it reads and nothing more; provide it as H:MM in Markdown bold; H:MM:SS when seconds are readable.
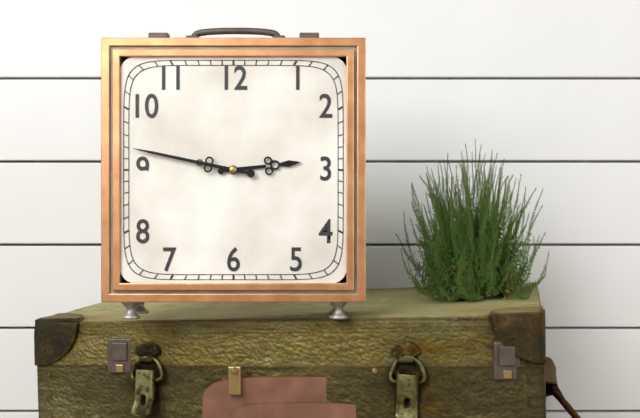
**2:47**
